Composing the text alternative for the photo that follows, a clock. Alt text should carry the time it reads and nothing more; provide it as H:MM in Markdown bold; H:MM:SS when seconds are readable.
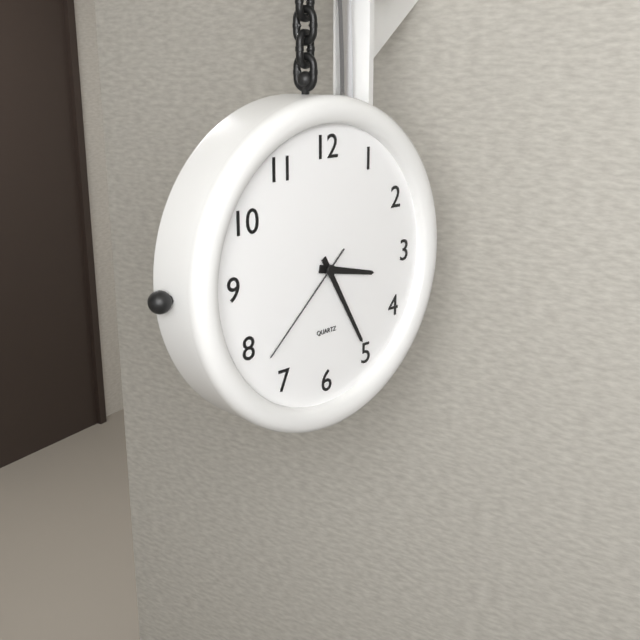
**3:25:38**
